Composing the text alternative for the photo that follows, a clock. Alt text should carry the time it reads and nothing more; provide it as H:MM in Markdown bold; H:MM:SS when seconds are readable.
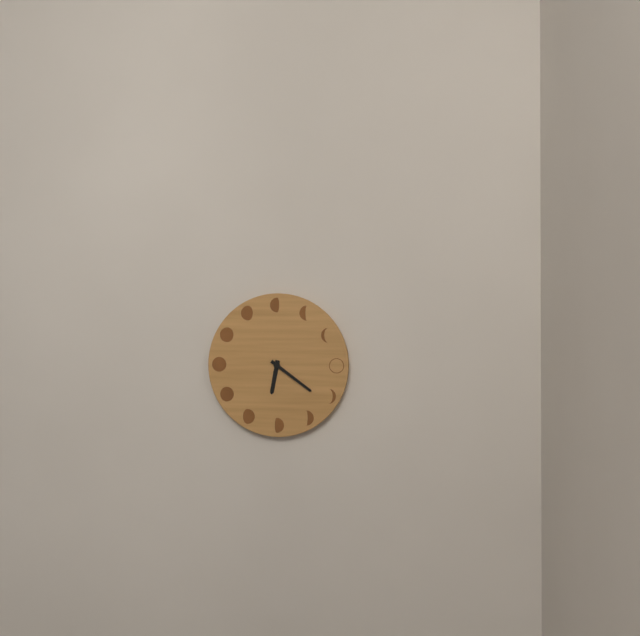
**6:21**
